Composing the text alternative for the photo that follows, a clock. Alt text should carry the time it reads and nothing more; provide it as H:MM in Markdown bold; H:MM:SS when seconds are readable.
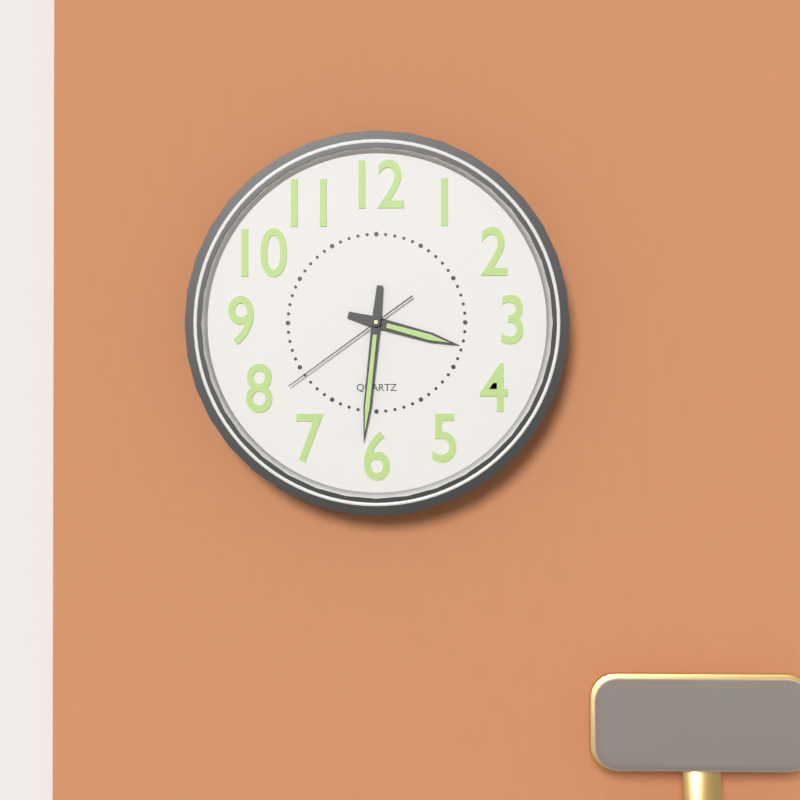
**3:31:39**
